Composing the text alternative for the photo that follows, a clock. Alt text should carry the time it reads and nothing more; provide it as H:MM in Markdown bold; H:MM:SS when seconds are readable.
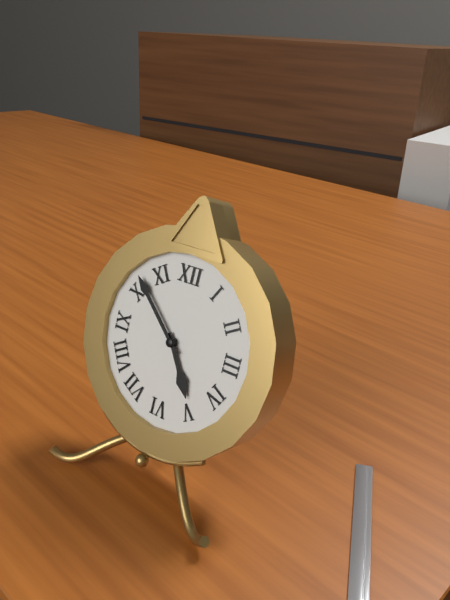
**4:52**
